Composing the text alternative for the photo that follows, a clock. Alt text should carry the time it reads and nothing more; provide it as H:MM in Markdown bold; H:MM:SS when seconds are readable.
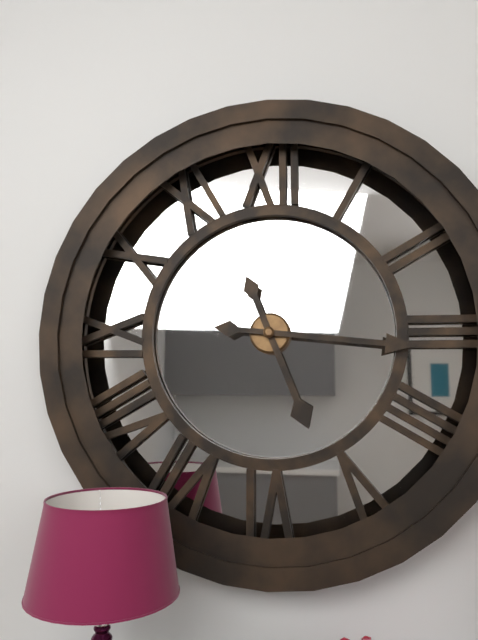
**5:16**
